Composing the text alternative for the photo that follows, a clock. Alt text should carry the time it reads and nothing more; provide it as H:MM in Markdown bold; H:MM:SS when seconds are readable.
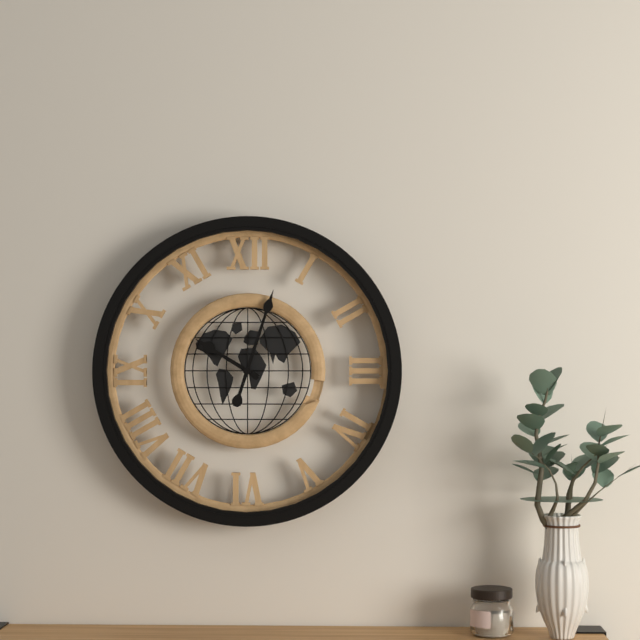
**10:03**
